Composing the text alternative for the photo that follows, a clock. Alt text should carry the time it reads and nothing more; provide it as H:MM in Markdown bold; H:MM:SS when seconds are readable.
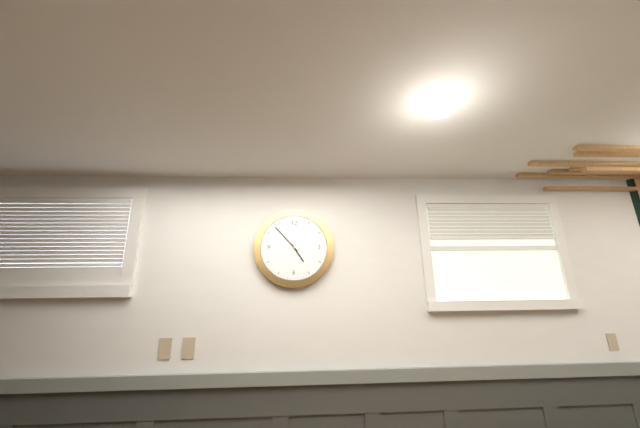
**4:53**
